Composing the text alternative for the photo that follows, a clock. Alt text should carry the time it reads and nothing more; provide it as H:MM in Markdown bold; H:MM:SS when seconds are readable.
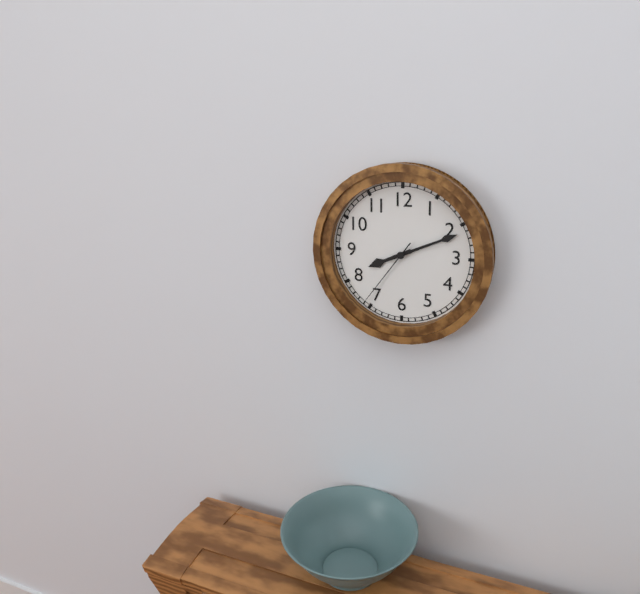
**8:11:36**
